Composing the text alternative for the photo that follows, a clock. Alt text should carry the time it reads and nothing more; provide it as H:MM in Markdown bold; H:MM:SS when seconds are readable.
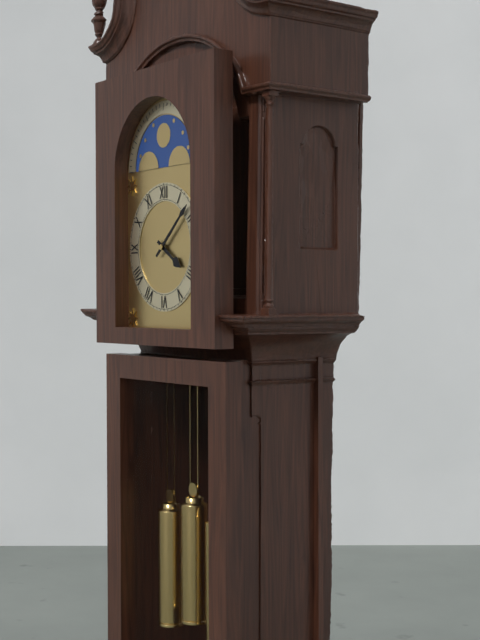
**4:08**
